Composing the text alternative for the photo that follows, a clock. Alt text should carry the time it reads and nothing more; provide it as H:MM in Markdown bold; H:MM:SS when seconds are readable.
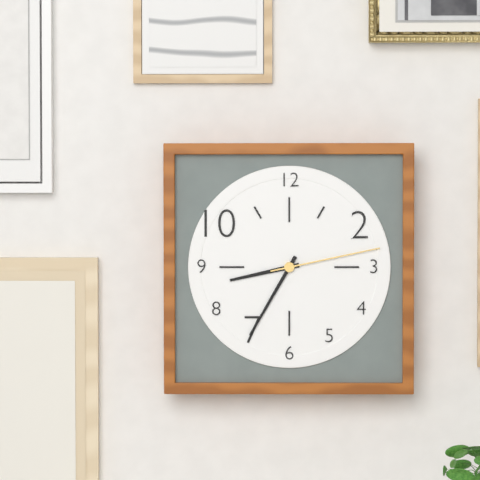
**8:35:13**
